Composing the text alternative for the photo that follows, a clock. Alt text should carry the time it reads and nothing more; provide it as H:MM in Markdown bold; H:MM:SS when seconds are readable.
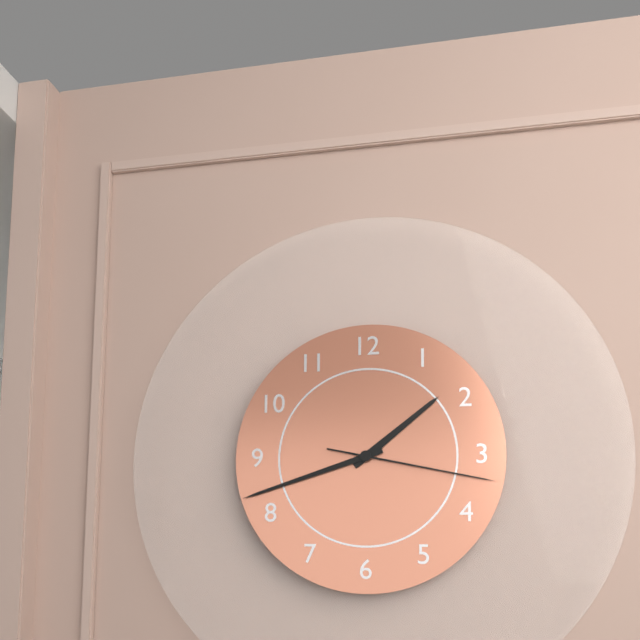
**1:42:17**
